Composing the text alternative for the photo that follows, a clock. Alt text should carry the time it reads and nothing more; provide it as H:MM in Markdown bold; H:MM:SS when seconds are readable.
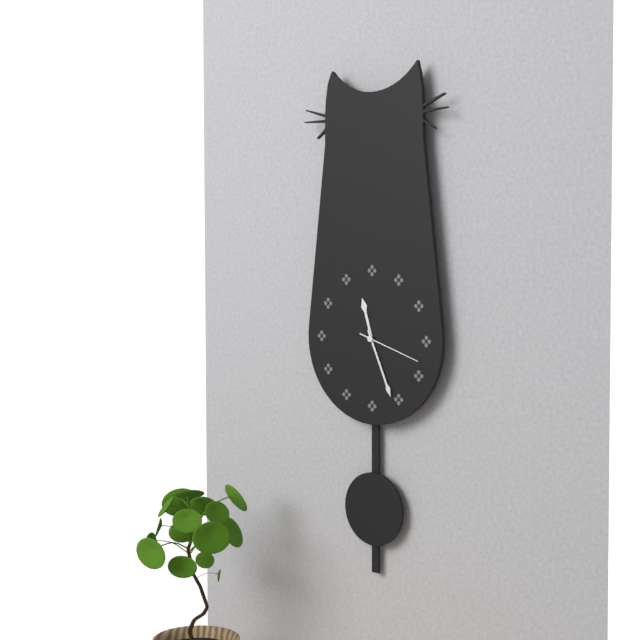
**11:26:18**
